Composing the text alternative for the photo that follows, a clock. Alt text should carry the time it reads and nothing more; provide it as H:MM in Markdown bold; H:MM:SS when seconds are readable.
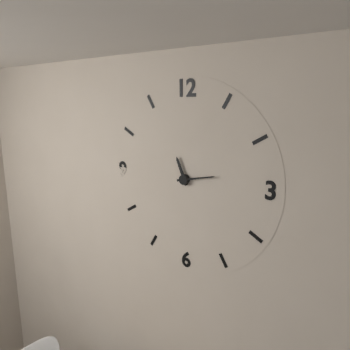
**11:13**
